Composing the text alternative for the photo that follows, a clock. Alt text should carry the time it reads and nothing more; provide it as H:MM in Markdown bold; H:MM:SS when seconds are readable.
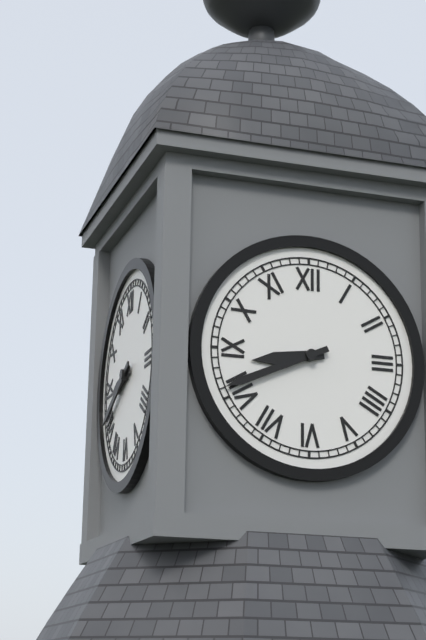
**8:41**
